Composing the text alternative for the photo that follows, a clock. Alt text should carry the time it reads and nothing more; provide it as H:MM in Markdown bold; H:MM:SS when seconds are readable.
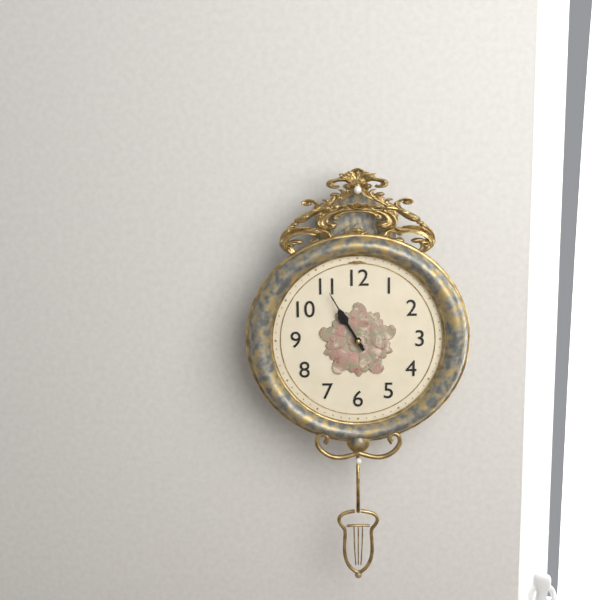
**10:55**
